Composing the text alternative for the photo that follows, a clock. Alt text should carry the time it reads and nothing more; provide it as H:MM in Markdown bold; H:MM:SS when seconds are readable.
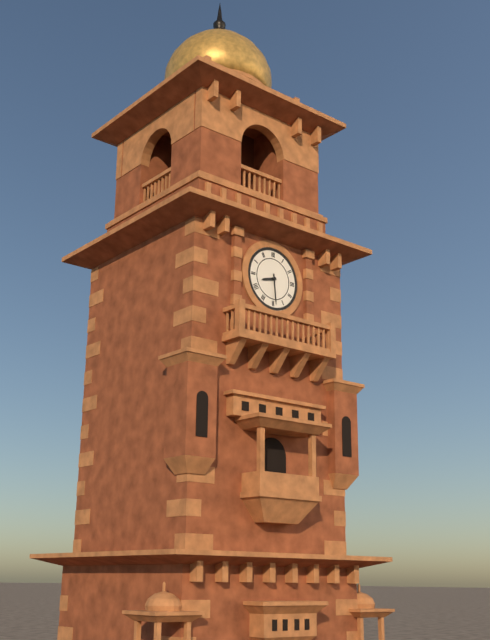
**8:29**
